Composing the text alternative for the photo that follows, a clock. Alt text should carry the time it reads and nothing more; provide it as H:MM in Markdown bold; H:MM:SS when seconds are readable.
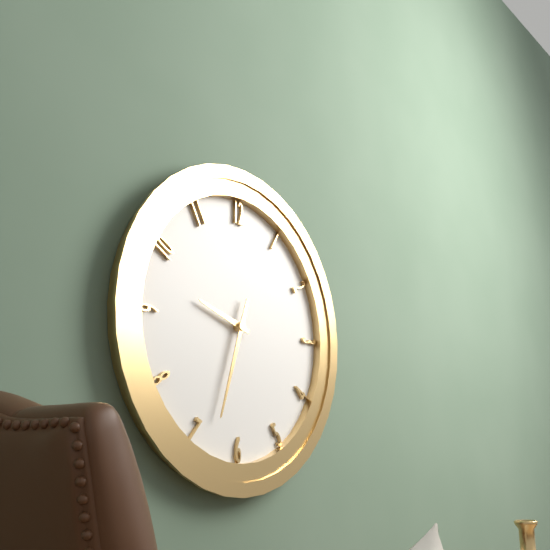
**9:33**
